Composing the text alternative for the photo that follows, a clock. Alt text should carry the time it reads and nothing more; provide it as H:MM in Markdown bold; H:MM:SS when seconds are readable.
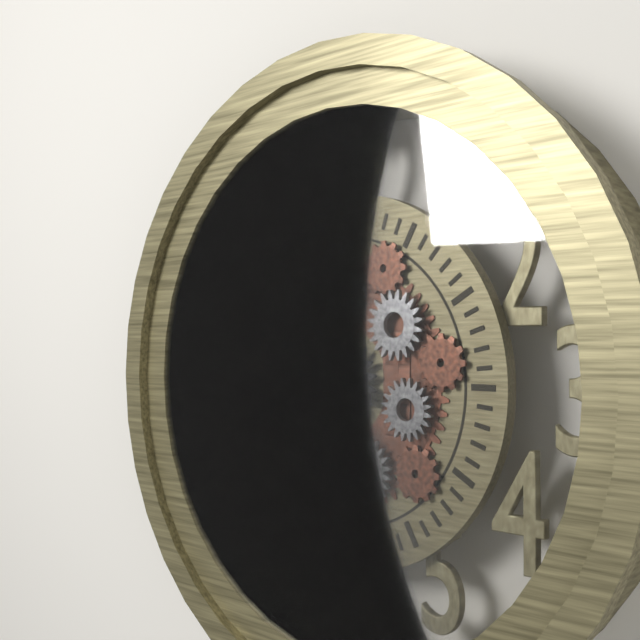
**6:48**
